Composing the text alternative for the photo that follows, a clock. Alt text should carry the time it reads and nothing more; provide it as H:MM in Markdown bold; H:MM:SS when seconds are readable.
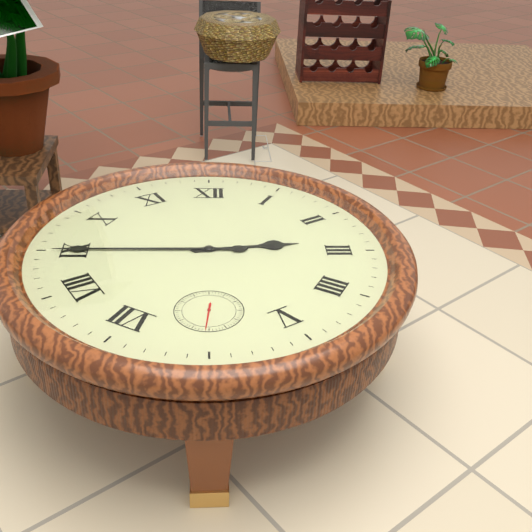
**2:45**
